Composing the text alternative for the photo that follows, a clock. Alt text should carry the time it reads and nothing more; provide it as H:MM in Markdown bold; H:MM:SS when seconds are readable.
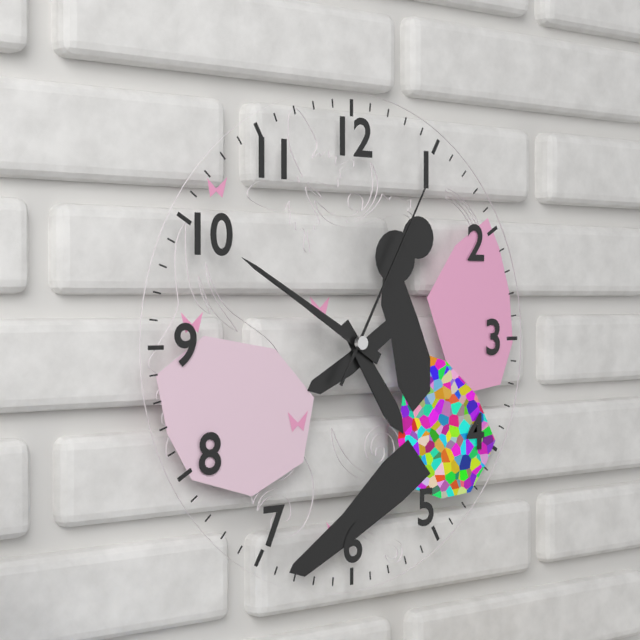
**4:50:05**
